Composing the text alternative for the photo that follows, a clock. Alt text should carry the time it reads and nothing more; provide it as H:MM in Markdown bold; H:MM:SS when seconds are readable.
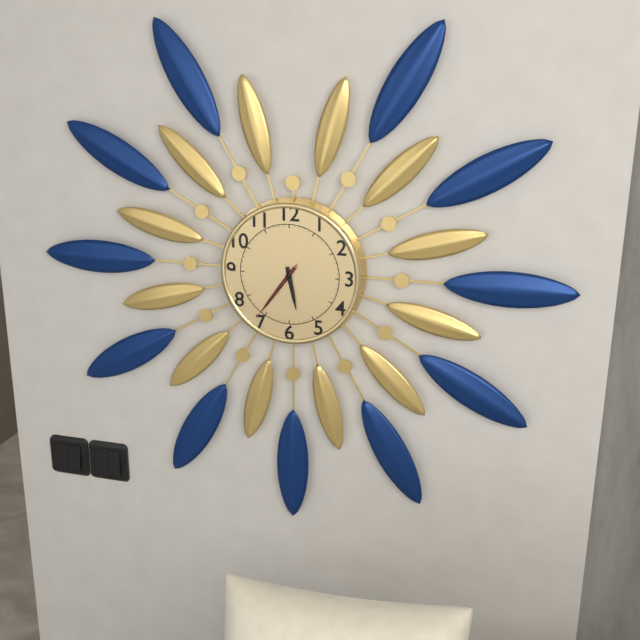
**5:36:36**
